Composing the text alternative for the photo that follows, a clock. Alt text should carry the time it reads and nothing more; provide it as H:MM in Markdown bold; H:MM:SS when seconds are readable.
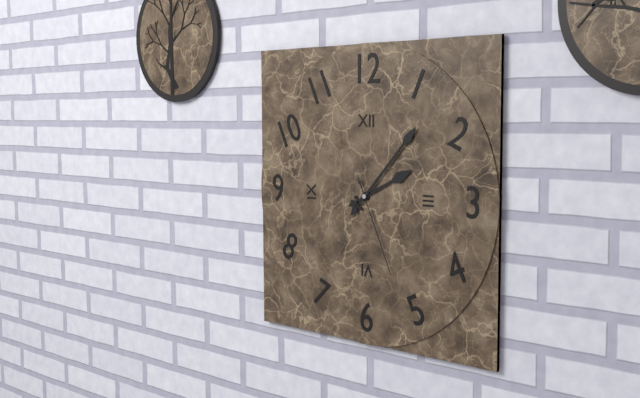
**2:07:26**
